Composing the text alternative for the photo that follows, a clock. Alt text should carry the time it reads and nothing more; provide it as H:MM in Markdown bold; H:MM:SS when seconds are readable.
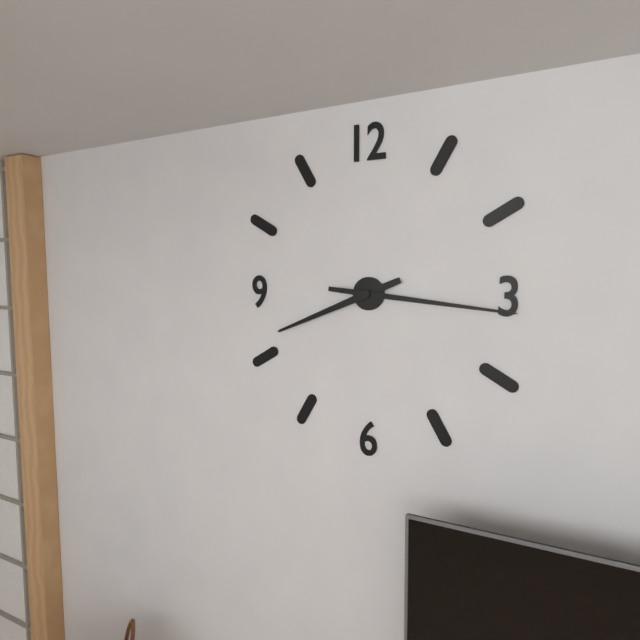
**8:16**
